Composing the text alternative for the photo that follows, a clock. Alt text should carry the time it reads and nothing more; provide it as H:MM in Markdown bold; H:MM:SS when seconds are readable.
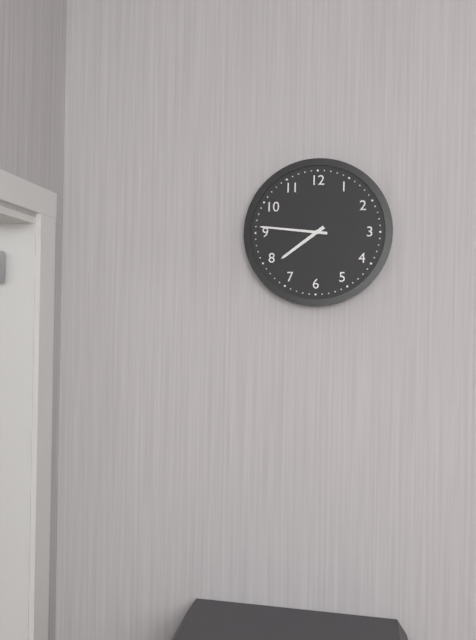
**7:46**
